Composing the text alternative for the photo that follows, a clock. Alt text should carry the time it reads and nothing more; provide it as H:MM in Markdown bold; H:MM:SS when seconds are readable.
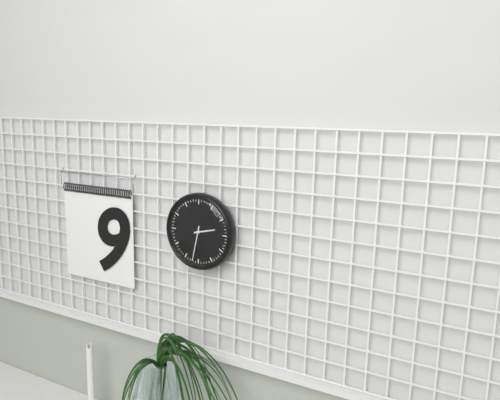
**2:32**
